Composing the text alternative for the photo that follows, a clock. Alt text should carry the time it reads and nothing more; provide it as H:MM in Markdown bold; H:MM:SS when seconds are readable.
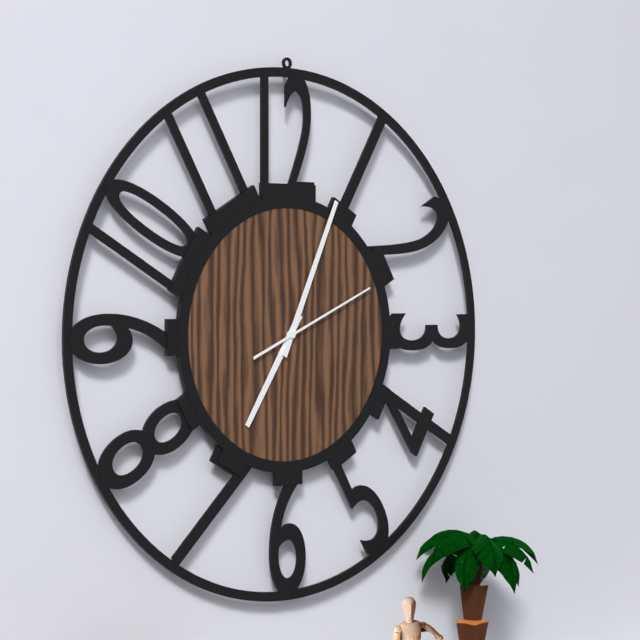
**7:04:11**
